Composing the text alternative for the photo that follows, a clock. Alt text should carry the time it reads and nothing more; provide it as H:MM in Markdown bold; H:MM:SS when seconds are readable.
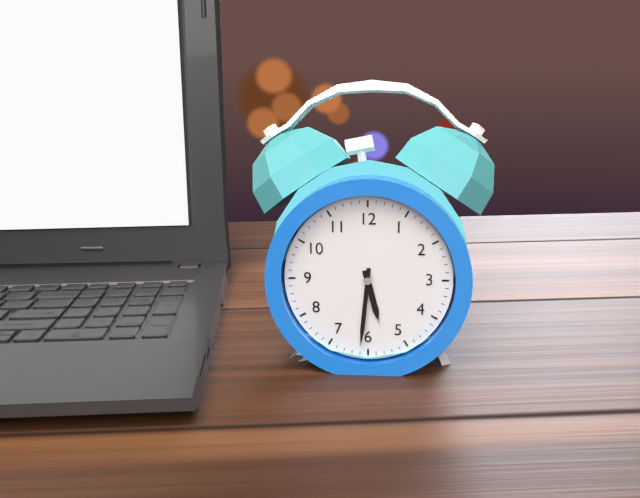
**5:31**
